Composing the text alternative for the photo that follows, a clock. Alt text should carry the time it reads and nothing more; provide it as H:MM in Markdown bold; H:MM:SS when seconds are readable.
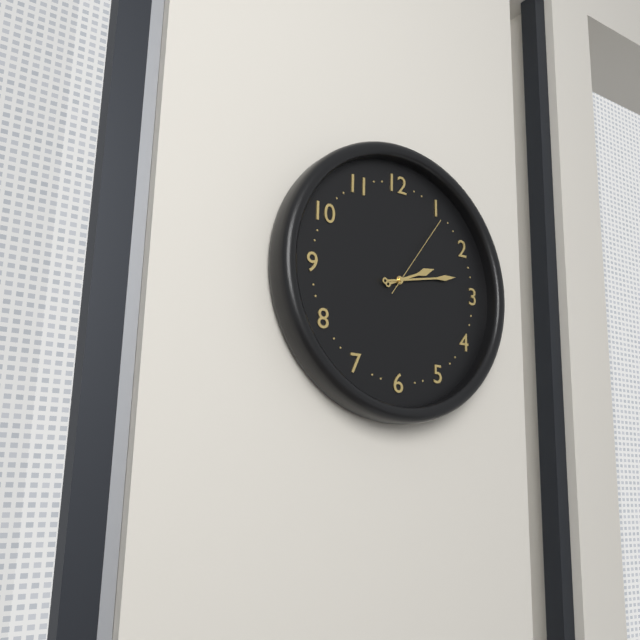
**2:13:06**
